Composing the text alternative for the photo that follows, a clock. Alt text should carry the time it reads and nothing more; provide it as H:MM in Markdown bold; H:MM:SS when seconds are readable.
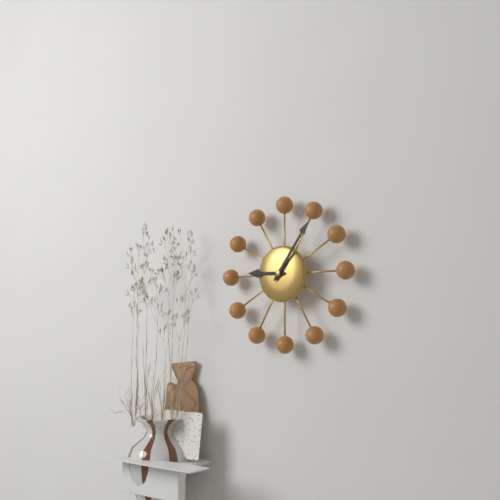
**9:06**
